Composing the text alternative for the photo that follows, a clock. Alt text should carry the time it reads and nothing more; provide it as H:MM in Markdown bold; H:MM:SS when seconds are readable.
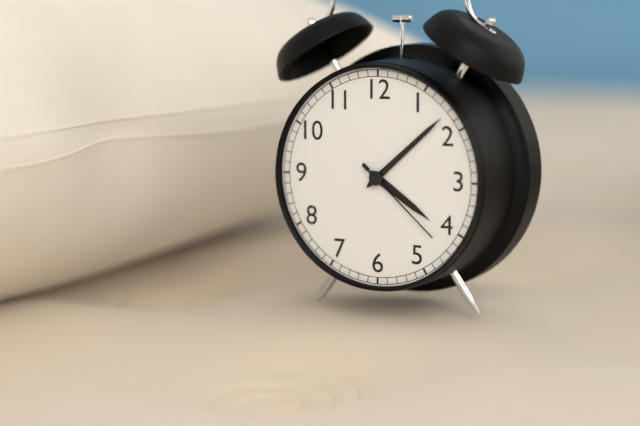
**4:08:22**
